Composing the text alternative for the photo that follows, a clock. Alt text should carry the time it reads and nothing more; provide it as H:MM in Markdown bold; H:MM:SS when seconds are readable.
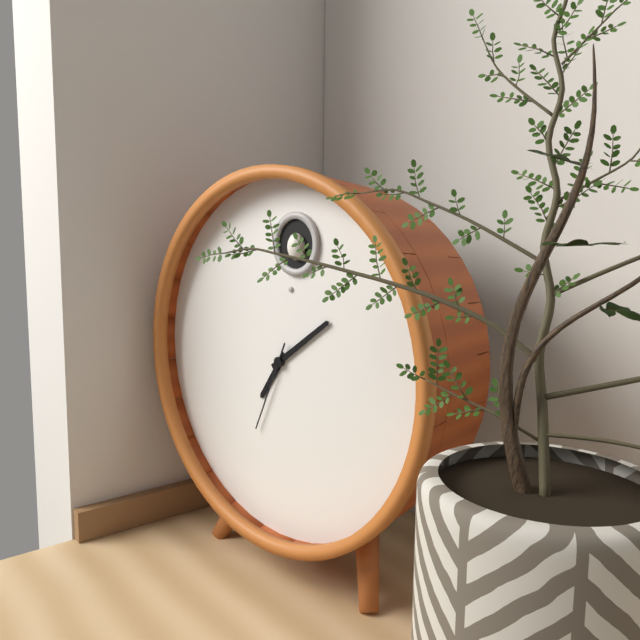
**7:09:34**
